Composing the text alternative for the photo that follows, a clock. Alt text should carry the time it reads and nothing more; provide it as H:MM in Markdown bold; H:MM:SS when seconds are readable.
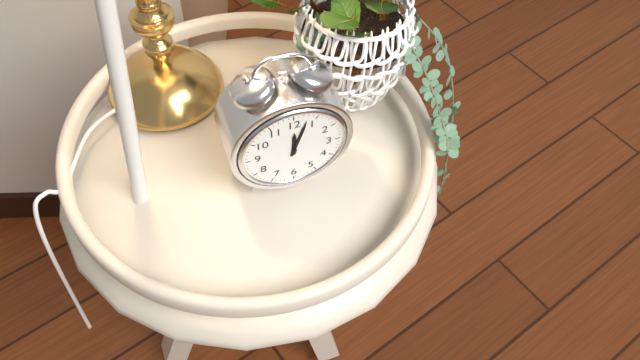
**12:03**
